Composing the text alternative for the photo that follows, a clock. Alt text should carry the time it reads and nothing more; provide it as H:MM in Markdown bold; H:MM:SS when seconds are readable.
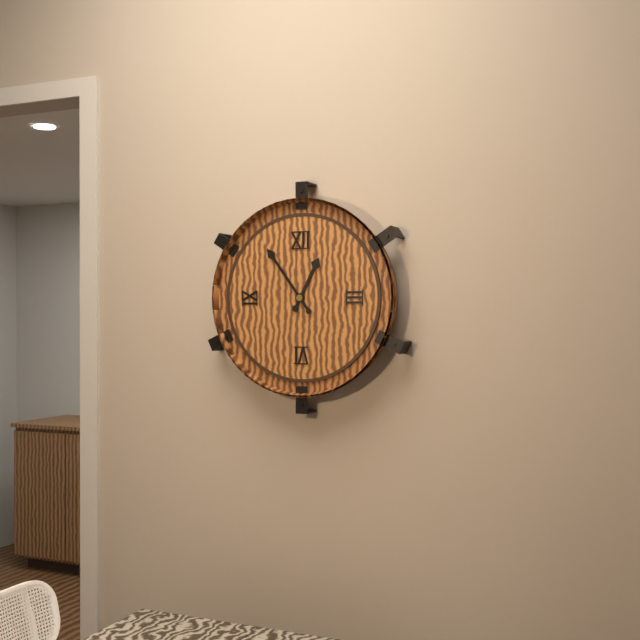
**12:54**
